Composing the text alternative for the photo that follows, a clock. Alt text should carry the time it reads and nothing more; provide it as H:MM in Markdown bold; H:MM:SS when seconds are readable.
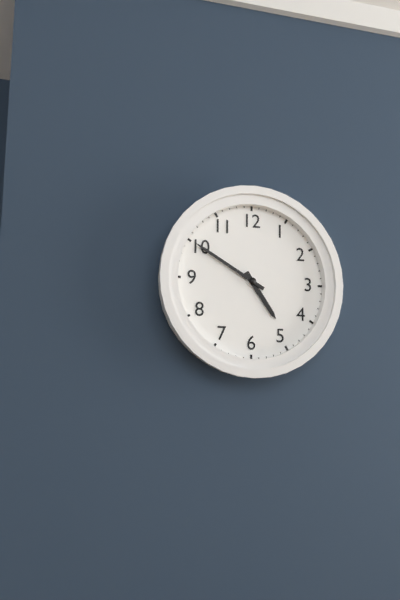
**4:50**
